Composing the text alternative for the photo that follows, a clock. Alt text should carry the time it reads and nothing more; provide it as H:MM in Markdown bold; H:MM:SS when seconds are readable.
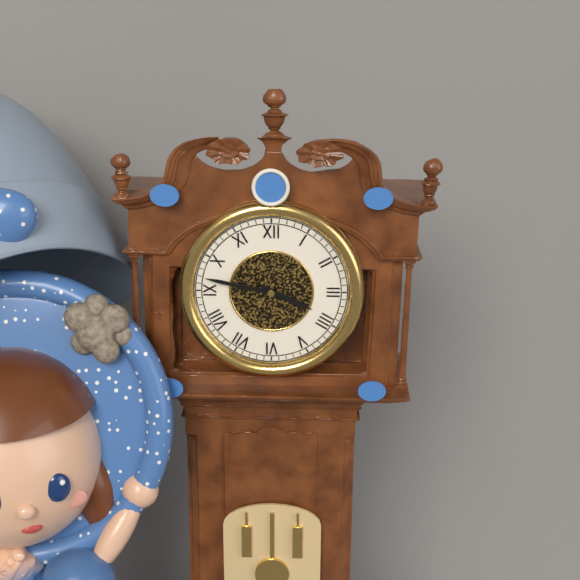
**3:47**
